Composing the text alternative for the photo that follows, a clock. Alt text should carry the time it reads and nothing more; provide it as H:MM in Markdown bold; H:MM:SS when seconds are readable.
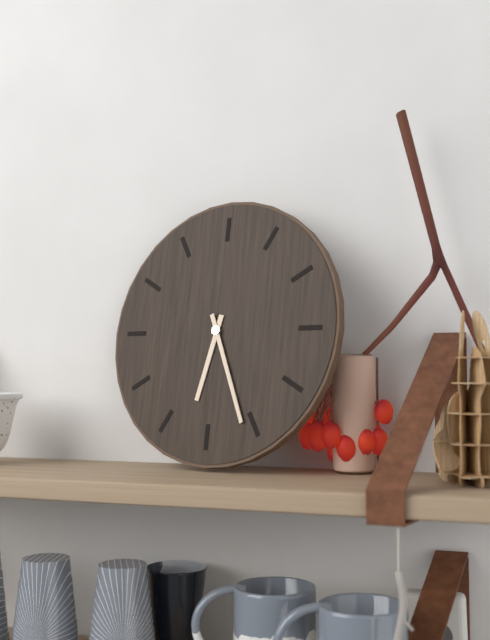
**6:26**
